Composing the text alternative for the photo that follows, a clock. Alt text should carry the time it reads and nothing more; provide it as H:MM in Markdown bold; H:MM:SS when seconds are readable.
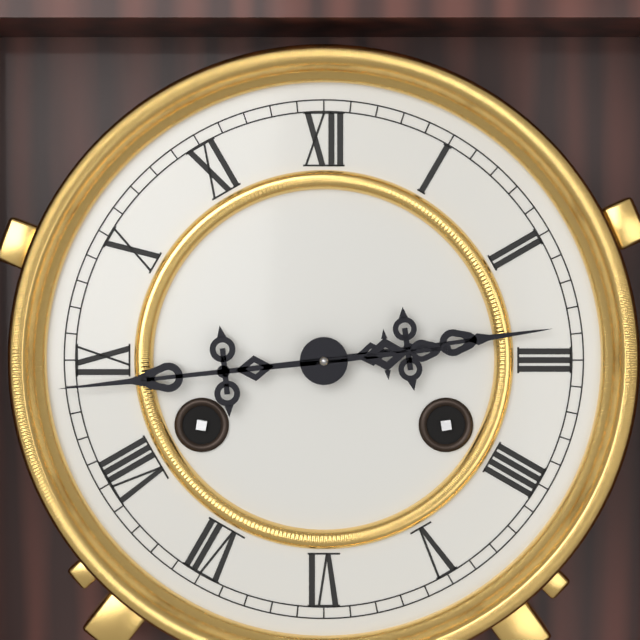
**2:44**
